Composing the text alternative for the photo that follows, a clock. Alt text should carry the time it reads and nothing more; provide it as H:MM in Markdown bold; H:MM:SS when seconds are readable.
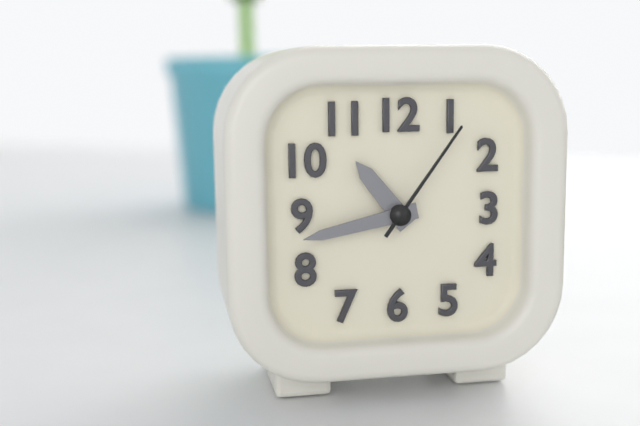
**10:43:06**
